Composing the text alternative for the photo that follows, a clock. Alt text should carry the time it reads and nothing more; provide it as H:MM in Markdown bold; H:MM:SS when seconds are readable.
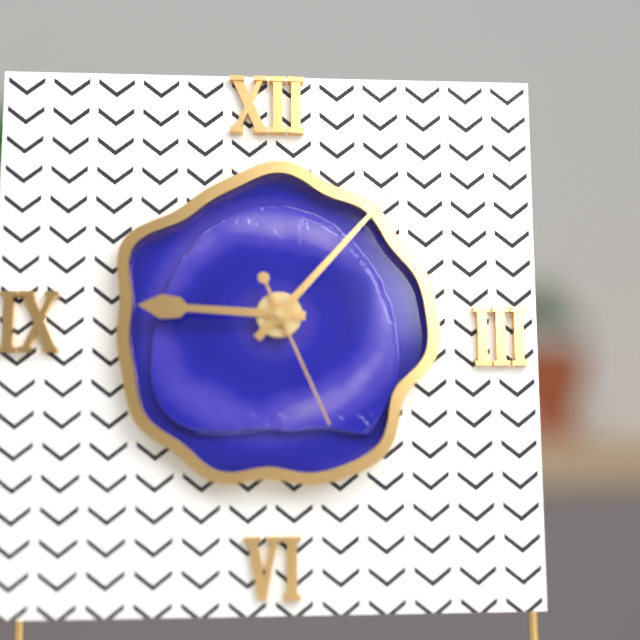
**9:07:26**
